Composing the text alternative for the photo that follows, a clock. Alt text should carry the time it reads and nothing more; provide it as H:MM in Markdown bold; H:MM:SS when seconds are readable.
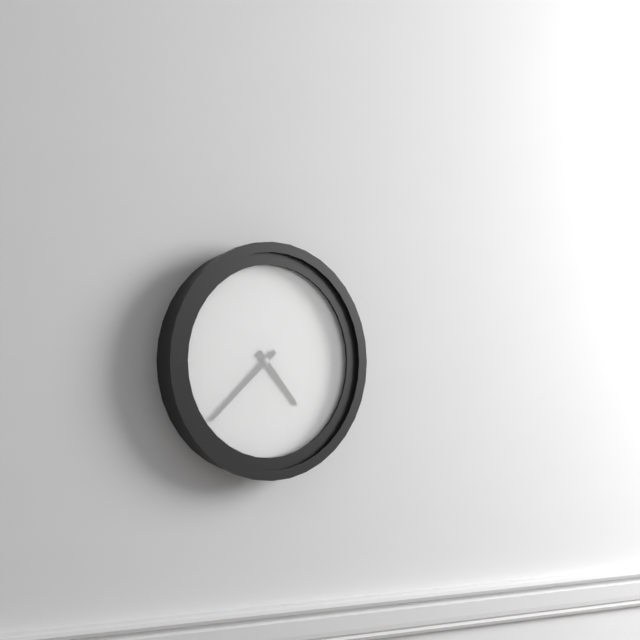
**4:38**
